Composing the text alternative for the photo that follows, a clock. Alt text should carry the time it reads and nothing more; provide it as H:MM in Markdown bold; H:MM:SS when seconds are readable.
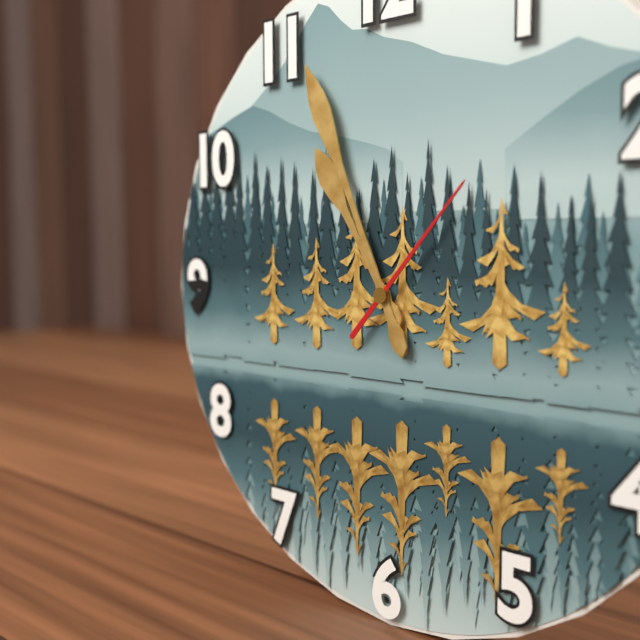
**10:56:07**
